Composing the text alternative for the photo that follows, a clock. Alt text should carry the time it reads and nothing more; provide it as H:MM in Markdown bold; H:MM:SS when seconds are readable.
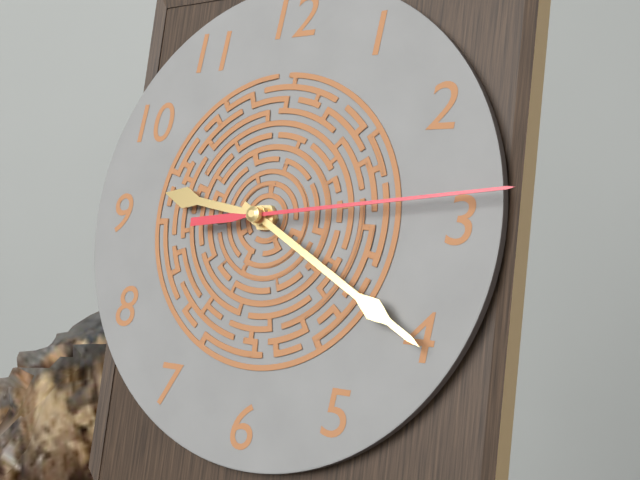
**9:20:14**
